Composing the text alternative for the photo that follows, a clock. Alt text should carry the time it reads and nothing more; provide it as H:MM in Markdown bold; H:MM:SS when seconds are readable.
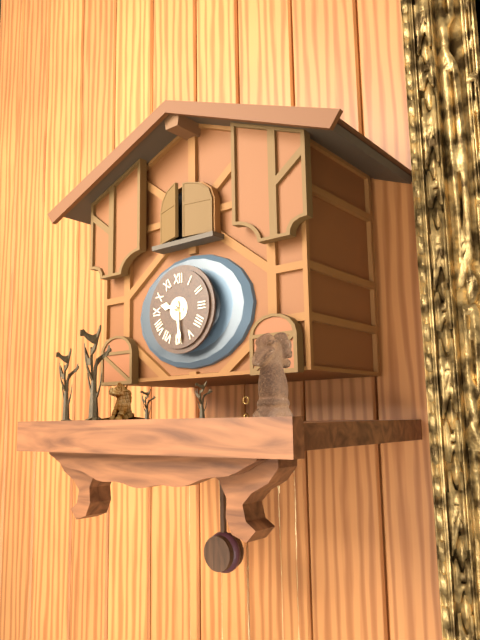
**9:29**
